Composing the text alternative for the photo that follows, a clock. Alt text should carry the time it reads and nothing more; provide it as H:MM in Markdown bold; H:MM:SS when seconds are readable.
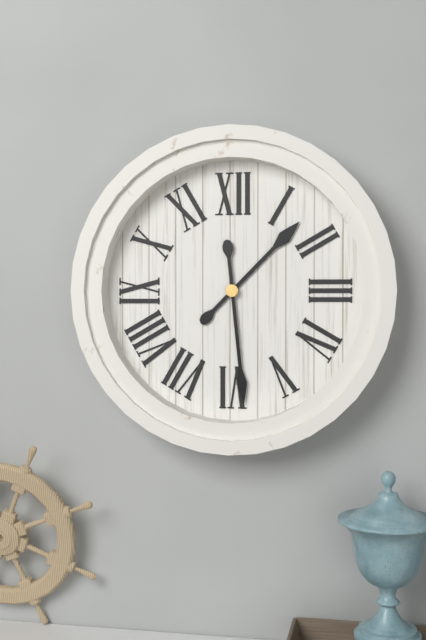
**1:29**
